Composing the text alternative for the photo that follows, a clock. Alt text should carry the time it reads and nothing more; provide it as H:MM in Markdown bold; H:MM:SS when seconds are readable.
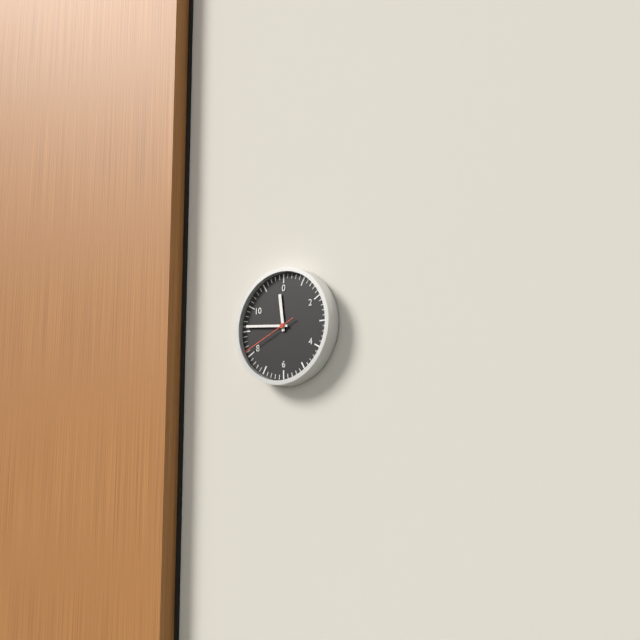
**11:46:41**
